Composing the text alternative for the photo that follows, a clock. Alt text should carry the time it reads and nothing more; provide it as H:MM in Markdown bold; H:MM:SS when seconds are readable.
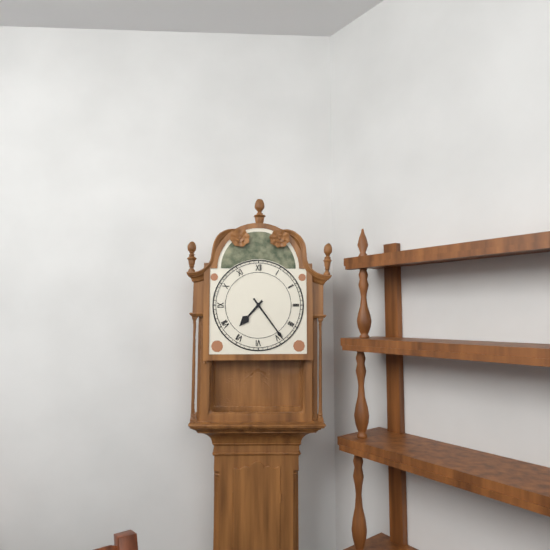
**7:24**
